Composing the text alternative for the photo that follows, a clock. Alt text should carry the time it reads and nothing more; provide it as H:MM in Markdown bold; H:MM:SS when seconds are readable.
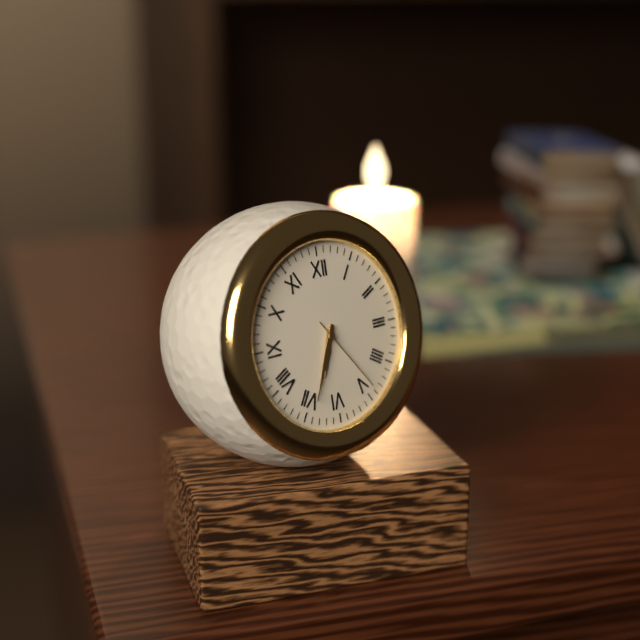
**6:34:24**
